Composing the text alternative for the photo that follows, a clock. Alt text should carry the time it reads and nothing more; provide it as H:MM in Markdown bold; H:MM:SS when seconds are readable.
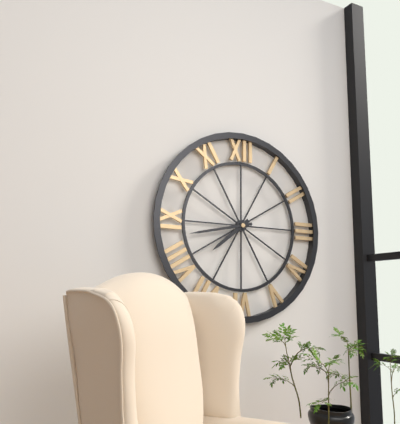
**7:43**
